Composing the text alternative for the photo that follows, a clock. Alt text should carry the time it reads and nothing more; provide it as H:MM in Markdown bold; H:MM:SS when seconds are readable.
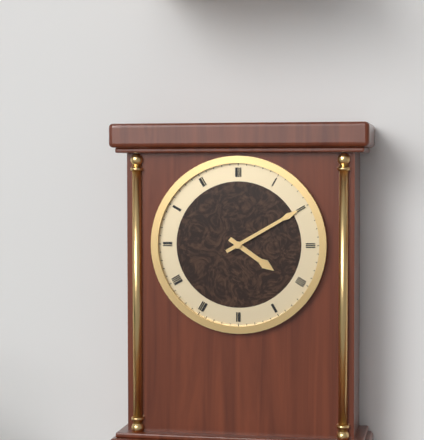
**4:10**
